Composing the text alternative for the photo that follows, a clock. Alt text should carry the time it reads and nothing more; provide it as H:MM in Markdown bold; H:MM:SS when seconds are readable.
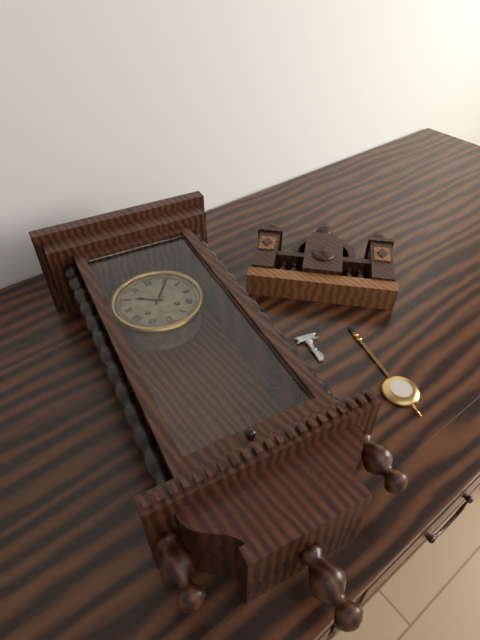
**10:06**
